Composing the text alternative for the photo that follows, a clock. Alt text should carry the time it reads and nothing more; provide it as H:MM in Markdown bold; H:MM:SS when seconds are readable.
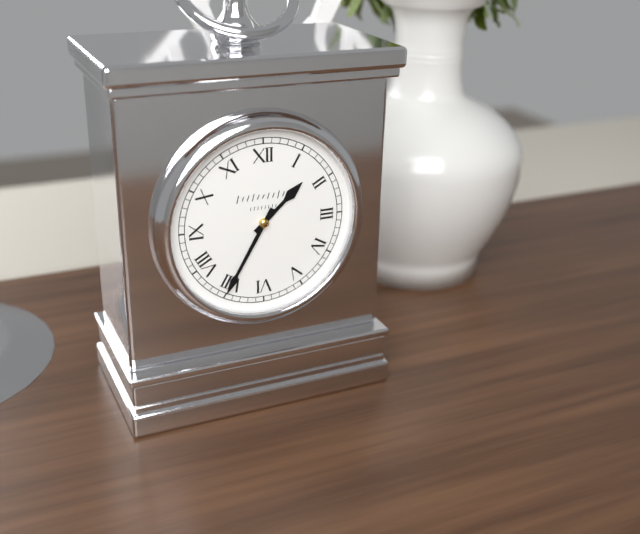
**1:35**
